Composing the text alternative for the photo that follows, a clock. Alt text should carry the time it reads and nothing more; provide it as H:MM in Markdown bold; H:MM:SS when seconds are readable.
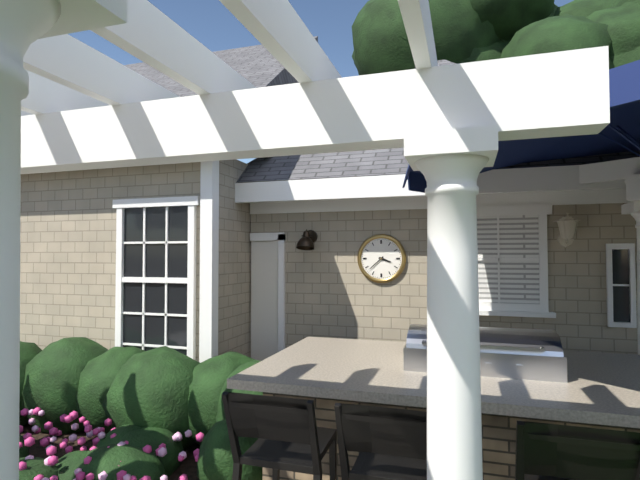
**3:38**
